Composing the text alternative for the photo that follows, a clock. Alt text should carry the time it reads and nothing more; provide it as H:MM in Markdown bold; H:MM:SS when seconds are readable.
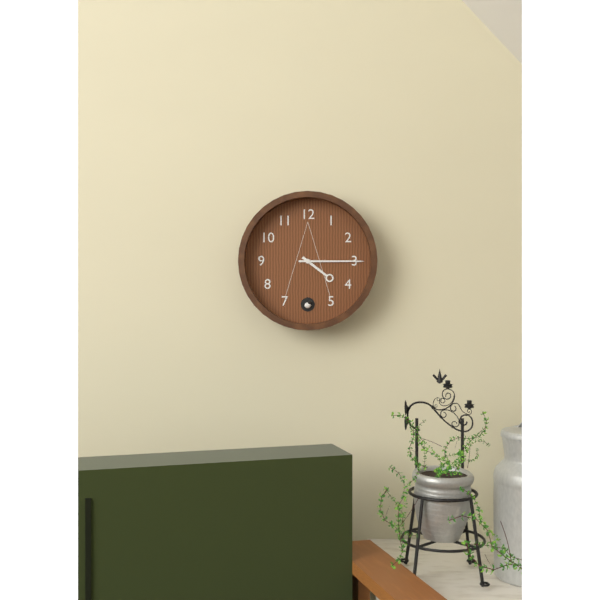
**4:15**
